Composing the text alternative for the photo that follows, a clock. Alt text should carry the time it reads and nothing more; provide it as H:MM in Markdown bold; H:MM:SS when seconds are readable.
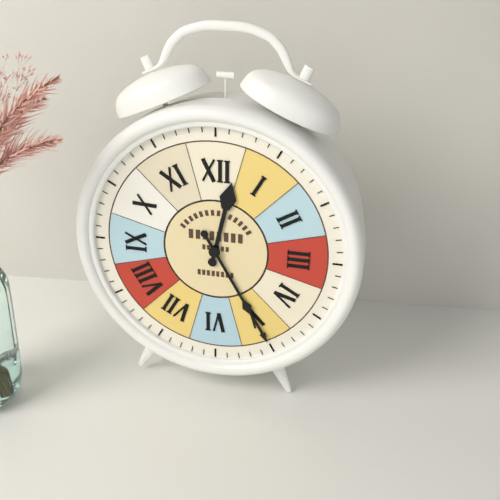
**12:25**
